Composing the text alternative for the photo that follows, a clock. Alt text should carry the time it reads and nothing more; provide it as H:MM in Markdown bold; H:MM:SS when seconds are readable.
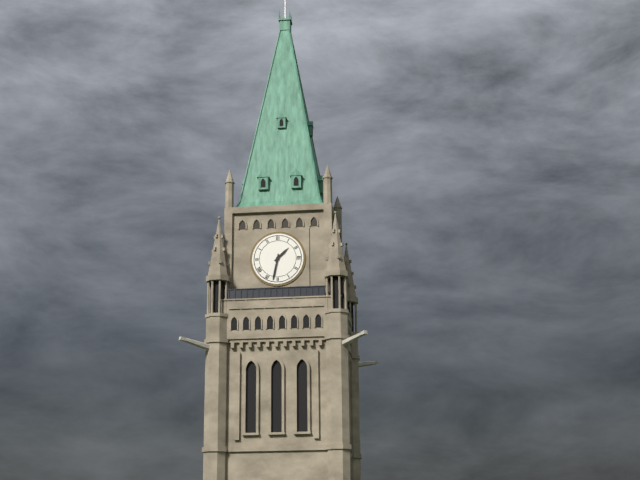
**1:32**
